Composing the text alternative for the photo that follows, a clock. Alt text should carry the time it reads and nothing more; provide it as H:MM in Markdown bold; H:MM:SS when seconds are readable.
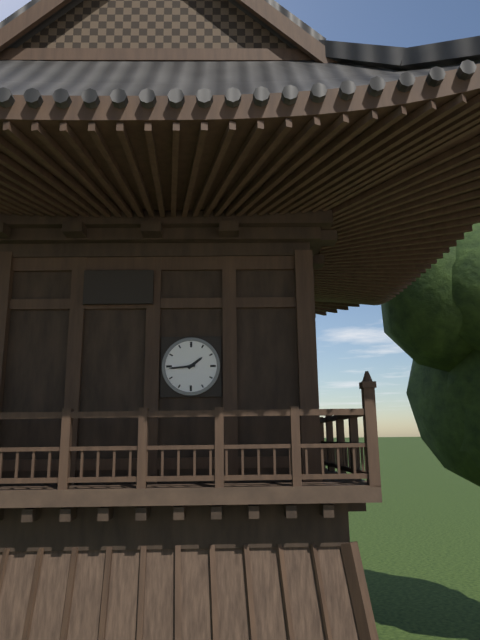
**1:44**
